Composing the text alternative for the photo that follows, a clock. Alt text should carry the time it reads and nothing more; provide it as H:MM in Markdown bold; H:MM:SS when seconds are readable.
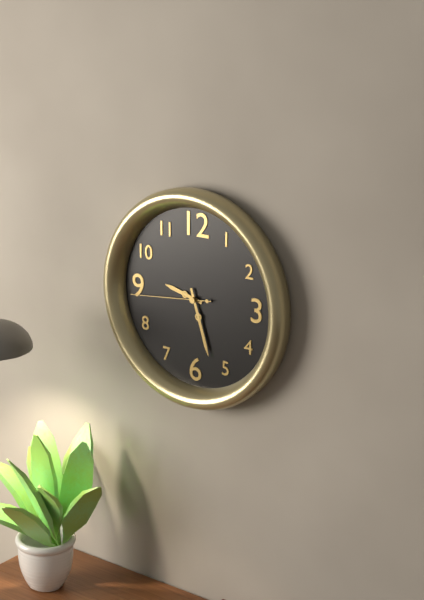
**9:27:44**
